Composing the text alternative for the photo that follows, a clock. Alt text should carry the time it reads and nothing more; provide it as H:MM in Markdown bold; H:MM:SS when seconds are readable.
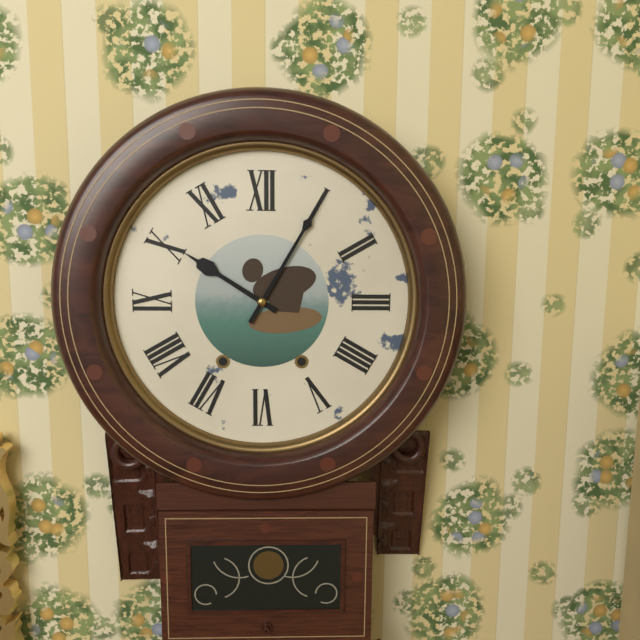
**10:05**
